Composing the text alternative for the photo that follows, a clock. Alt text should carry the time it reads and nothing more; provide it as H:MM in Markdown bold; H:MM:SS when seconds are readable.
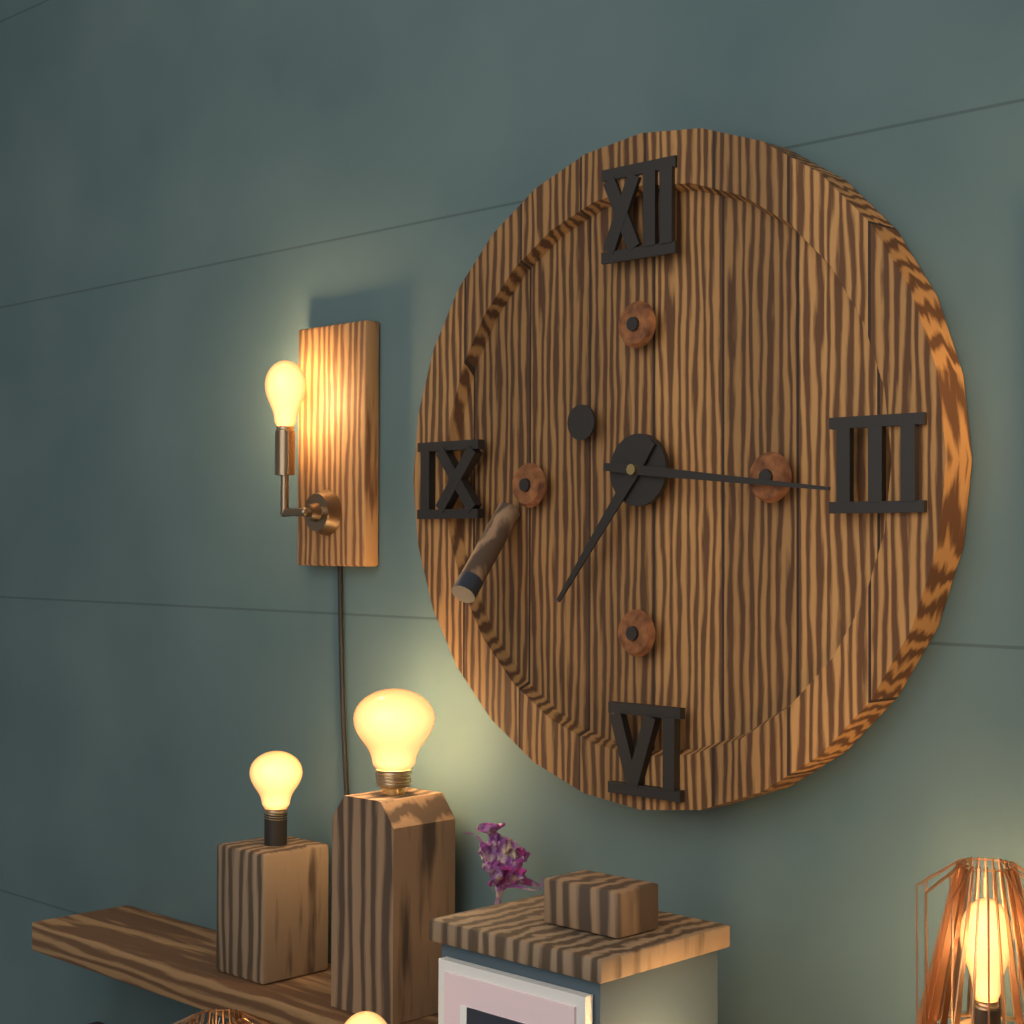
**7:16**
